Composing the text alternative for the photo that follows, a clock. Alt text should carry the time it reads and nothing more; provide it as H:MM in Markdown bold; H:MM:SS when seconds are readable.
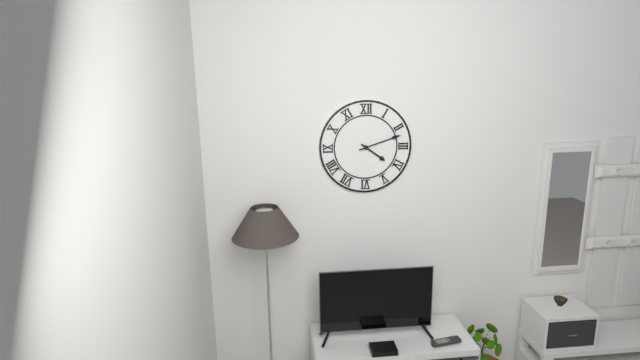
**4:12**
